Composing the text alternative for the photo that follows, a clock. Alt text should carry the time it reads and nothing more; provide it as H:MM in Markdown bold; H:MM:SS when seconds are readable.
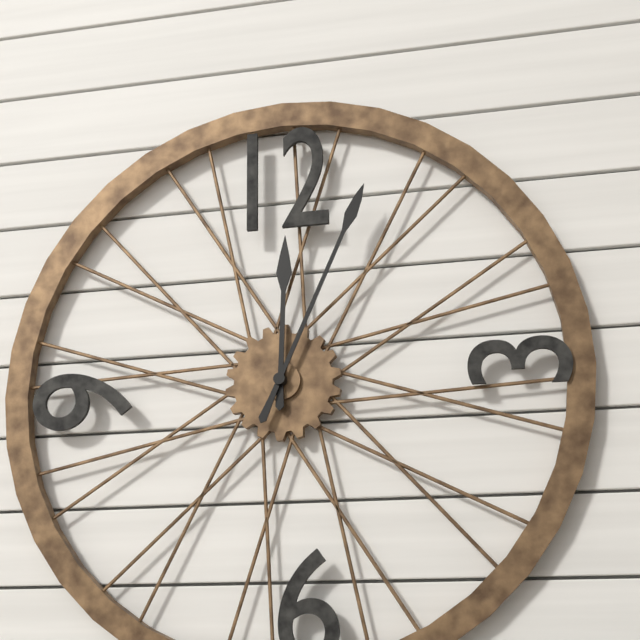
**12:04**
